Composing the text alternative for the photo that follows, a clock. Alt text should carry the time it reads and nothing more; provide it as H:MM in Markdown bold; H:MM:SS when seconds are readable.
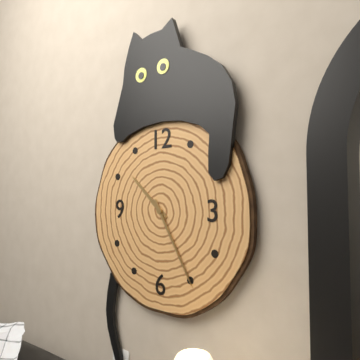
**10:25**
